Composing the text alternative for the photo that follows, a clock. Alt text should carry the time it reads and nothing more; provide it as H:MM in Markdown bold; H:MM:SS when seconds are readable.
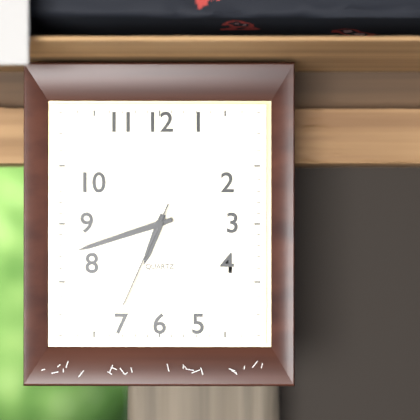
**6:42:34**
